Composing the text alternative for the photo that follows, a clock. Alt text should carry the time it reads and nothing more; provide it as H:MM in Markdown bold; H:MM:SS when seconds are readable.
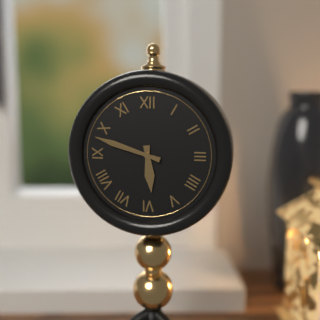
**5:48**
